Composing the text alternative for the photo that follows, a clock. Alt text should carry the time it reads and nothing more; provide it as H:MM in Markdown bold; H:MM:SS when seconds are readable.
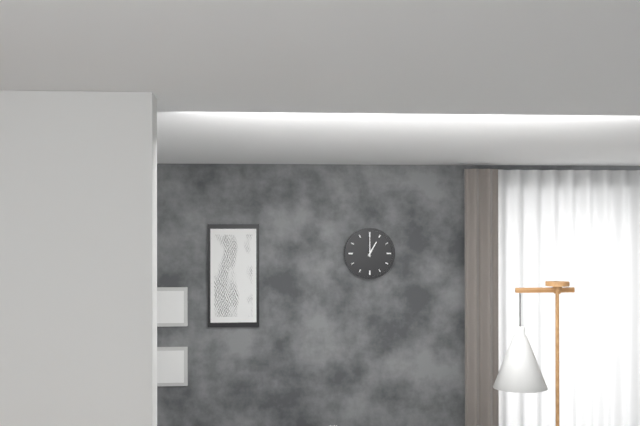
**1:00**
